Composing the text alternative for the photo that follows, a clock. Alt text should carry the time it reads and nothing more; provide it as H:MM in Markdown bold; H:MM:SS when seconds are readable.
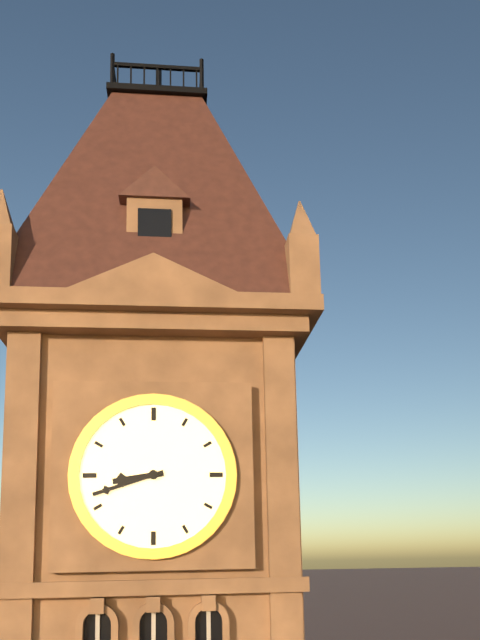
**8:42**
